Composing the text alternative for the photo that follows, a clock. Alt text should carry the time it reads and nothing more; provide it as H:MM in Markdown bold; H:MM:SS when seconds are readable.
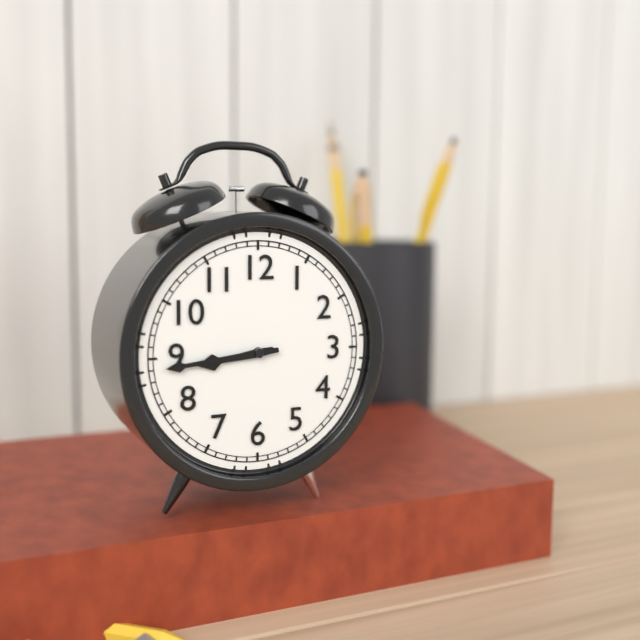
**8:44**
